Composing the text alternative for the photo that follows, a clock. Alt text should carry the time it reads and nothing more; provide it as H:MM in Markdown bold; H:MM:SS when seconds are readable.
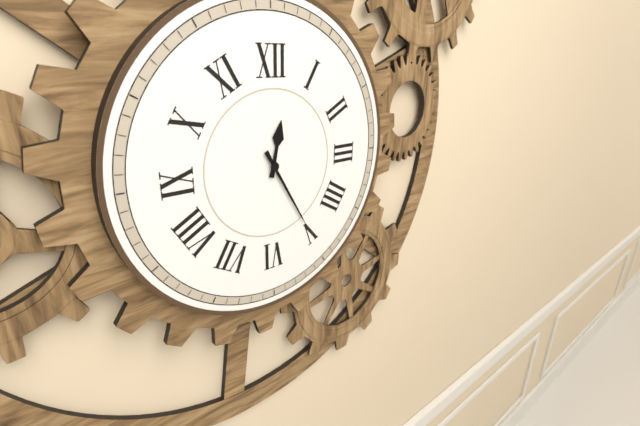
**12:25**
